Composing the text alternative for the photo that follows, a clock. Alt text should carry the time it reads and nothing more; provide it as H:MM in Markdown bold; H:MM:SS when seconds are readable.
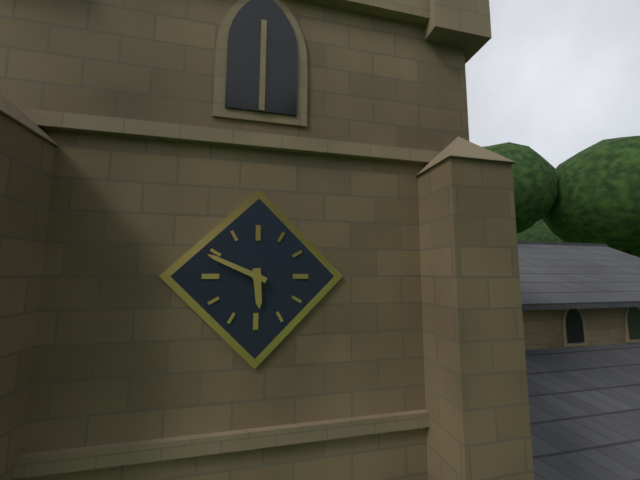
**5:49**
